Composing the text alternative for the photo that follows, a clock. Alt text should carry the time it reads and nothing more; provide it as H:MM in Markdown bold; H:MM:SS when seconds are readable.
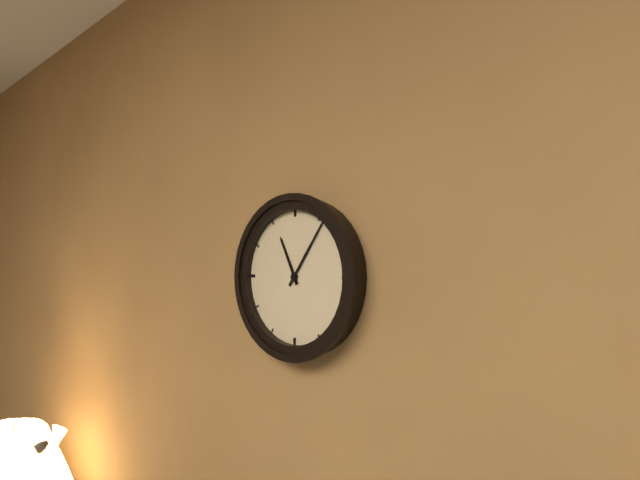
**11:06**
